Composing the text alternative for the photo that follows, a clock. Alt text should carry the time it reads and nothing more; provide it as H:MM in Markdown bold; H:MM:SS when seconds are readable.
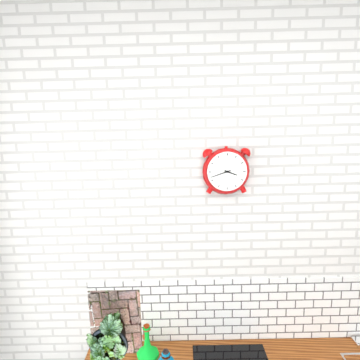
**3:42**
